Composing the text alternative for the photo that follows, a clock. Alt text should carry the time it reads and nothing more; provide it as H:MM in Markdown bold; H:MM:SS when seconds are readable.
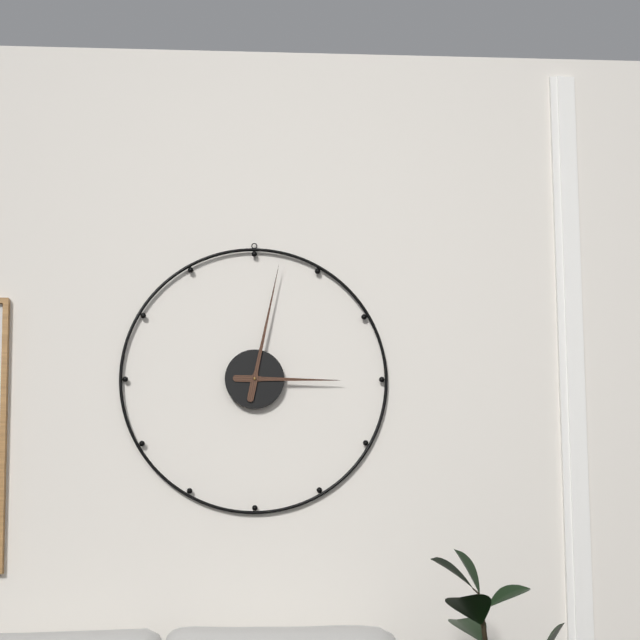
**3:02**
